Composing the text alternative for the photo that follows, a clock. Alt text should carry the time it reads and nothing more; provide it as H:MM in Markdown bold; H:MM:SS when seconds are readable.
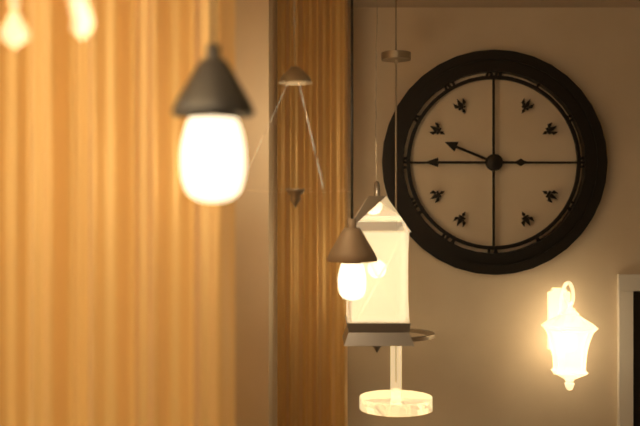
**9:45**
